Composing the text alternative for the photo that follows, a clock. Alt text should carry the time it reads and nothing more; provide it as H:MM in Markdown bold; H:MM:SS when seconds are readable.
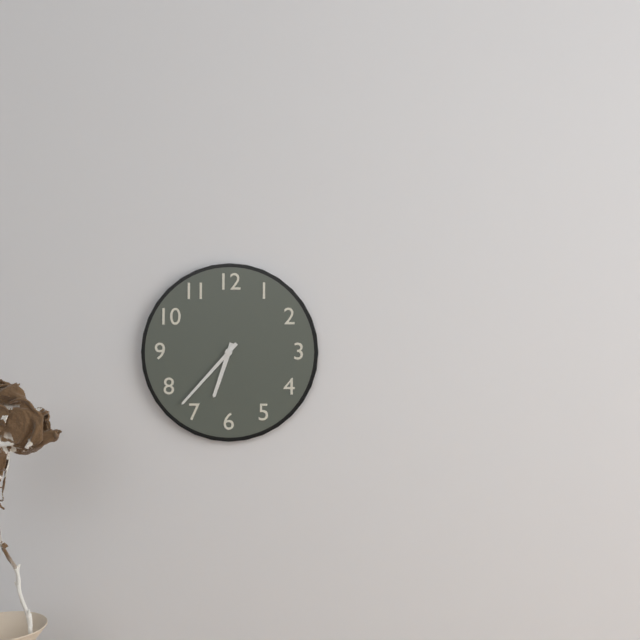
**6:37**
